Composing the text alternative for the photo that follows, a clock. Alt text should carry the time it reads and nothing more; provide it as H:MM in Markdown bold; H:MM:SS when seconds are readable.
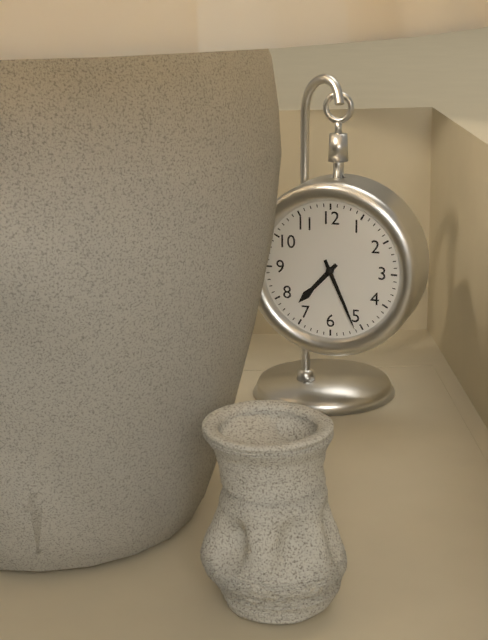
**7:26**
